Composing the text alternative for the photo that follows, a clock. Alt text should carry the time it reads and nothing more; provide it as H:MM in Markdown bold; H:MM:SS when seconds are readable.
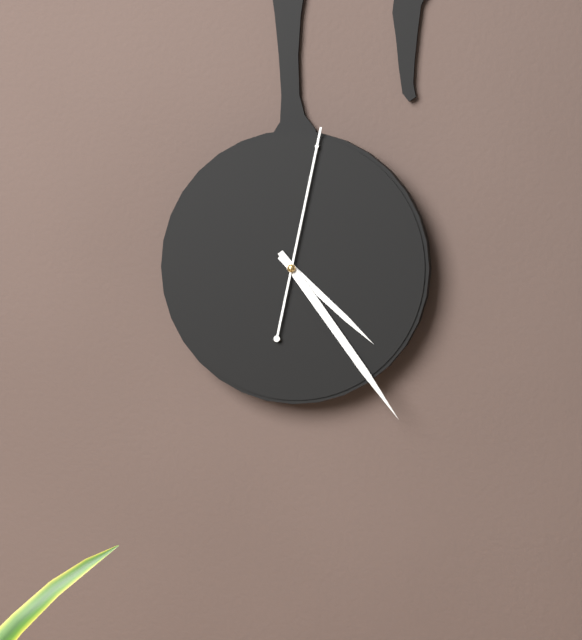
**4:24:02**
